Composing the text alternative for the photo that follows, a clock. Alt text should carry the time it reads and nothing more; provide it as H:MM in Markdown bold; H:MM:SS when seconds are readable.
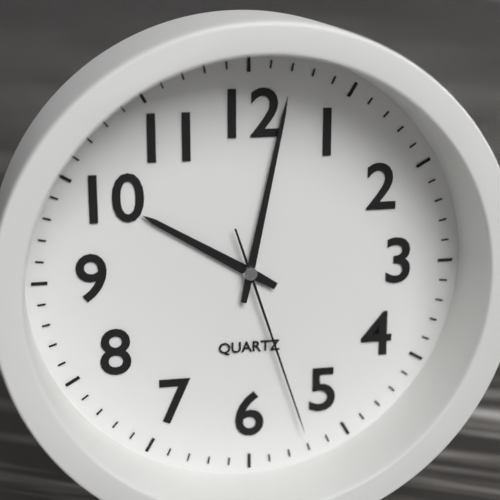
**10:02:27**
